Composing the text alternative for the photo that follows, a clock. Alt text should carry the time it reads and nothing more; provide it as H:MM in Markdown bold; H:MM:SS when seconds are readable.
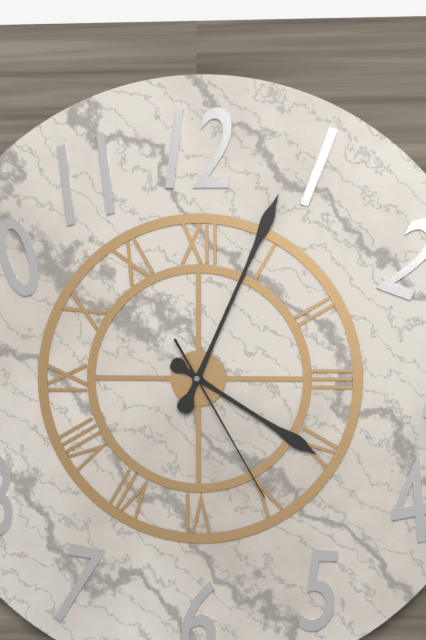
**4:04:25**
